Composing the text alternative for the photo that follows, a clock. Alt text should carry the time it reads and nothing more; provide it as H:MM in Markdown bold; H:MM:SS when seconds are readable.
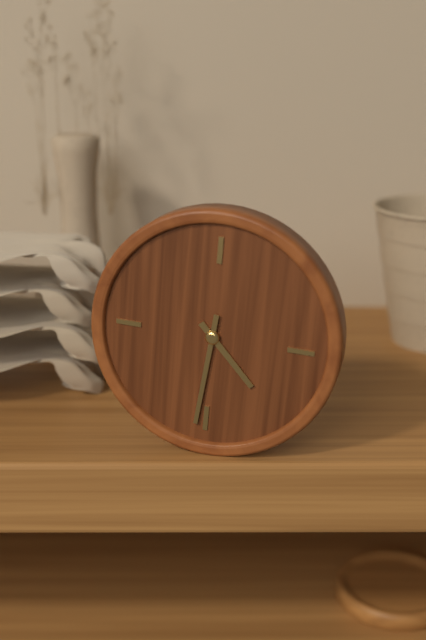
**4:31**
